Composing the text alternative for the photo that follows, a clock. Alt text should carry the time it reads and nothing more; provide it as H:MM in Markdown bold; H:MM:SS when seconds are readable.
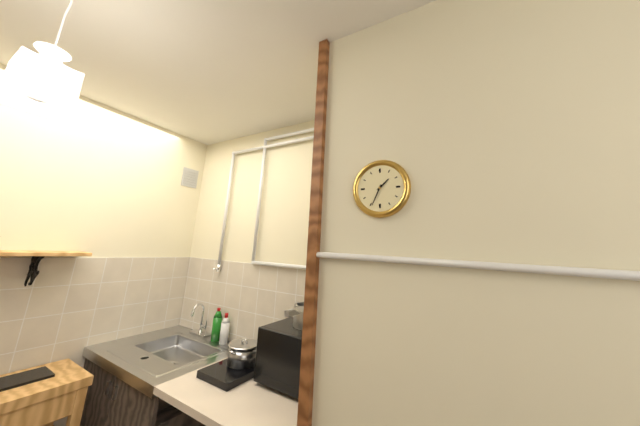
**1:34**
